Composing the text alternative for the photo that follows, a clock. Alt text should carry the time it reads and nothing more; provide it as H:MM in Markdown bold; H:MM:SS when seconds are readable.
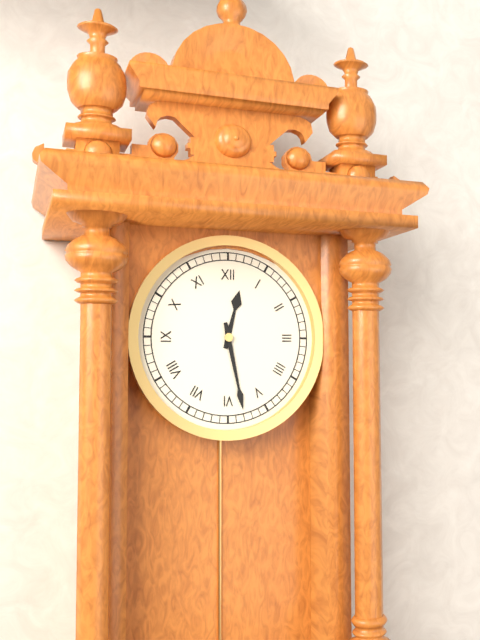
**12:28**
